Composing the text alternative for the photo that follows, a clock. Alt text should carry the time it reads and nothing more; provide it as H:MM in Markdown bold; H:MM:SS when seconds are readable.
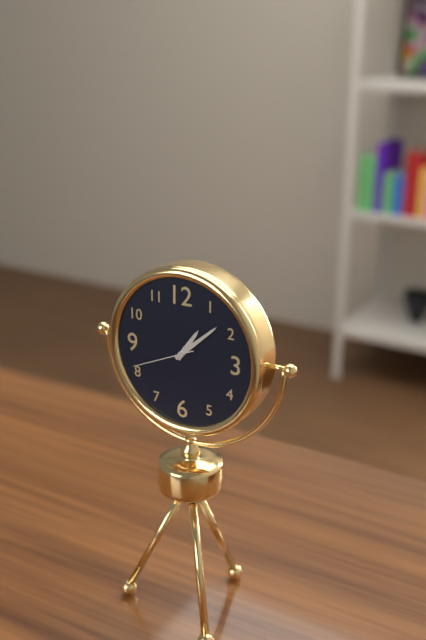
**1:08:41**
